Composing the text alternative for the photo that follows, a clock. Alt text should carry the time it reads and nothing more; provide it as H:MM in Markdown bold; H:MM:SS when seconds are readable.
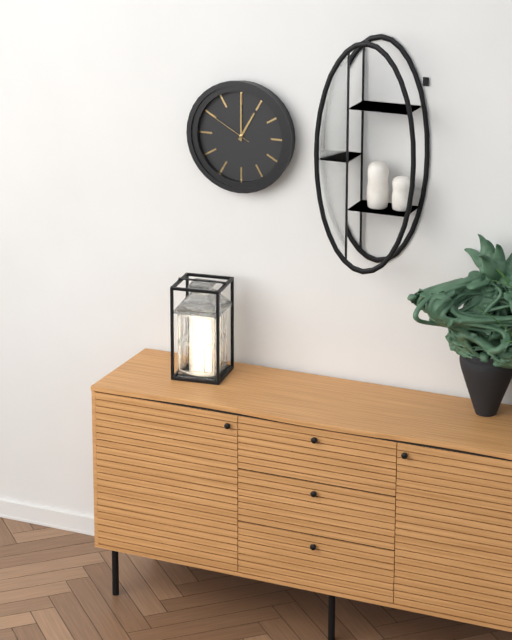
**1:00**
